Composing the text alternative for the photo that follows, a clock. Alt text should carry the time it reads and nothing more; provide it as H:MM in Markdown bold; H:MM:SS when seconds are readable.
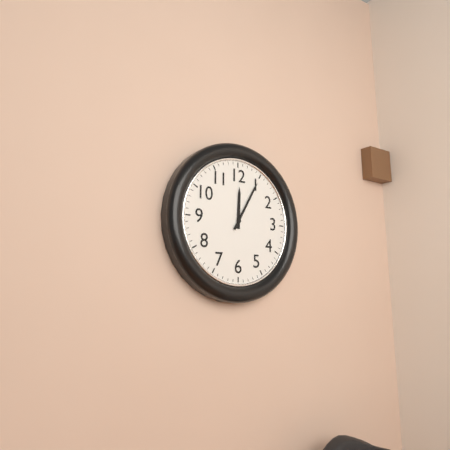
**12:05**
